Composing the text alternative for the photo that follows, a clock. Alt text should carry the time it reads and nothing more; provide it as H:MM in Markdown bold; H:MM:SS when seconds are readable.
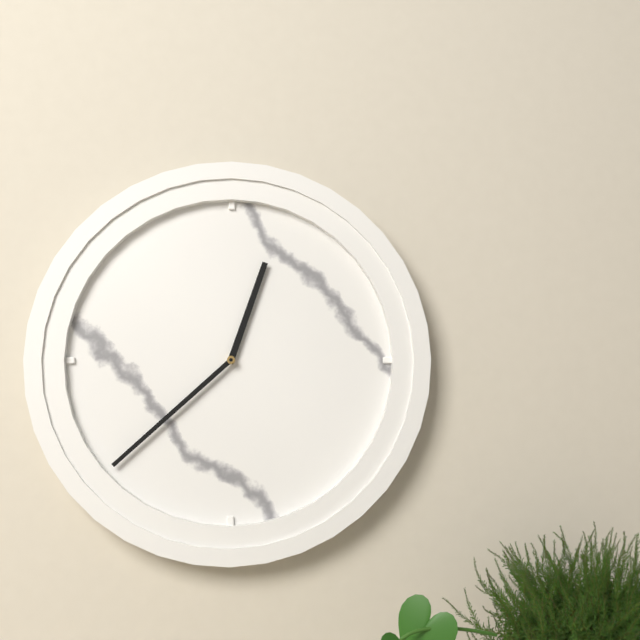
**12:38**
